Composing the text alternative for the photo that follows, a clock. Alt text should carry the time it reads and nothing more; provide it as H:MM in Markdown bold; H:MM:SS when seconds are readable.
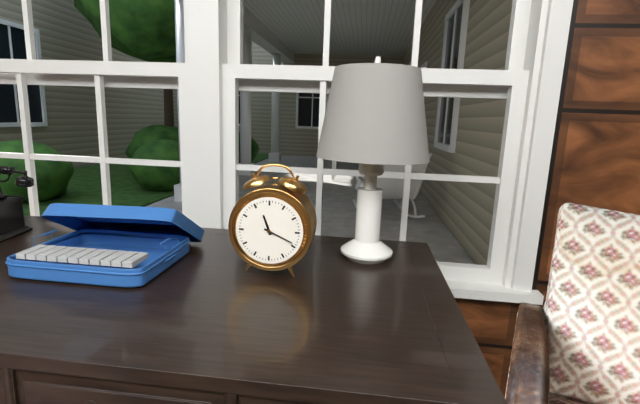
**11:19**
